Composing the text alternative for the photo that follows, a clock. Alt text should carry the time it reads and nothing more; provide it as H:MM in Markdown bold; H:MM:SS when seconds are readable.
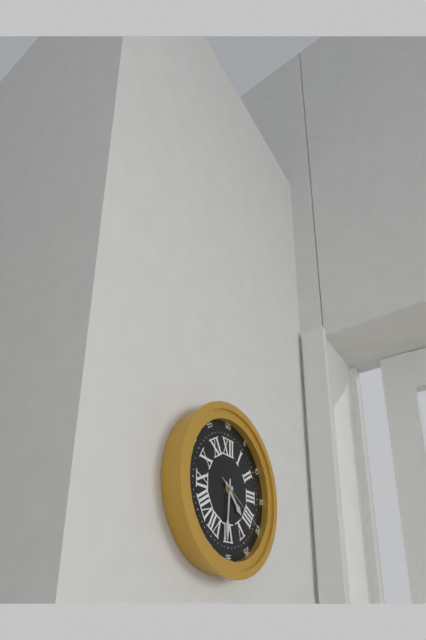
**4:31:20**
